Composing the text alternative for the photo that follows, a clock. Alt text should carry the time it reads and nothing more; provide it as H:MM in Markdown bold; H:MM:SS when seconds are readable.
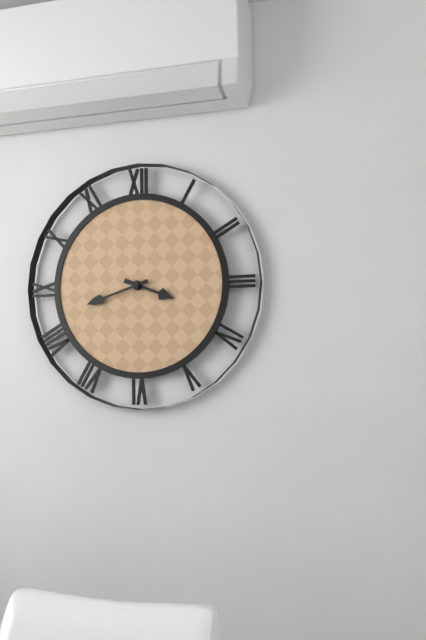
**3:42**
